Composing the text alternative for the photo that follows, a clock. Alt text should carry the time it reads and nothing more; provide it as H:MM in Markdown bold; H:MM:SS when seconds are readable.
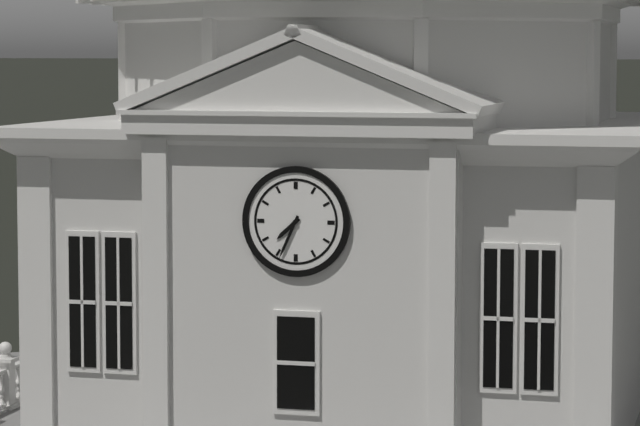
**7:34**
